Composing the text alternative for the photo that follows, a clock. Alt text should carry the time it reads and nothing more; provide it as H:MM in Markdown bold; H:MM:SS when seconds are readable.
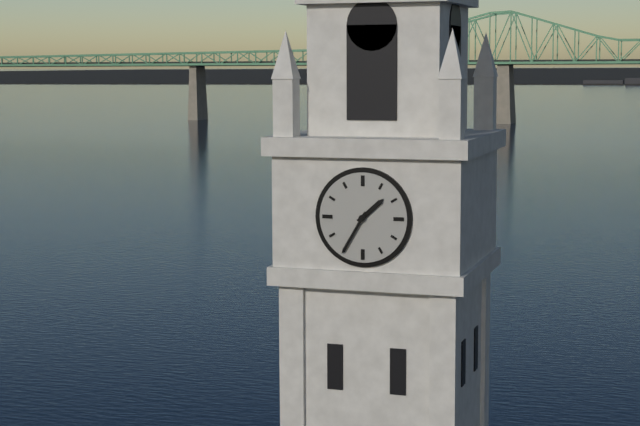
**1:35**
